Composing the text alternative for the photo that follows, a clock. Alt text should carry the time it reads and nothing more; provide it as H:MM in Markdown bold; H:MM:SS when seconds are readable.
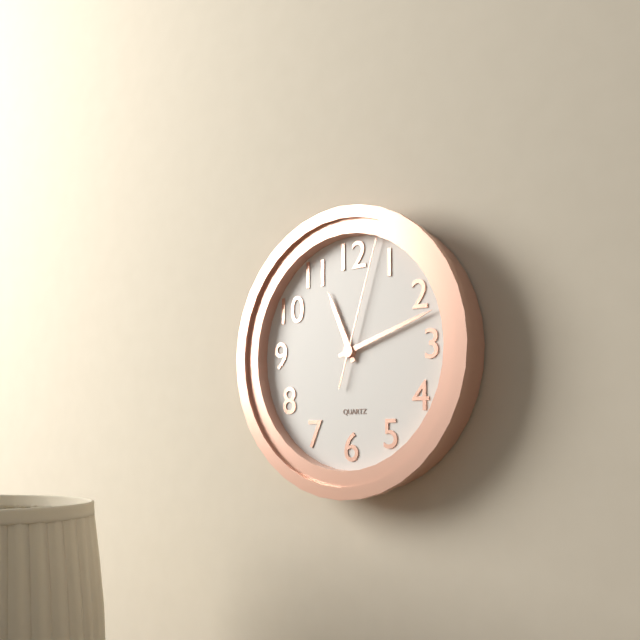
**11:12:03**
